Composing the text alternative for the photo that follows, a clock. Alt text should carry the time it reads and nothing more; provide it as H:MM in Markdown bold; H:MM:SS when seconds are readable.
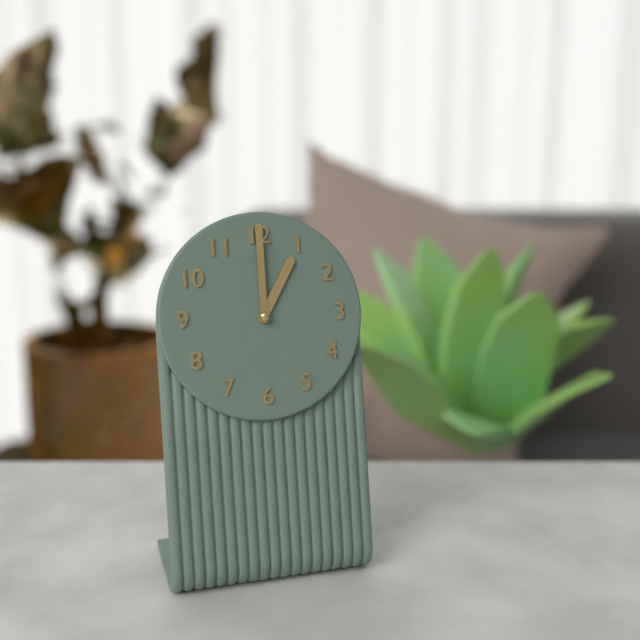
**1:00**
